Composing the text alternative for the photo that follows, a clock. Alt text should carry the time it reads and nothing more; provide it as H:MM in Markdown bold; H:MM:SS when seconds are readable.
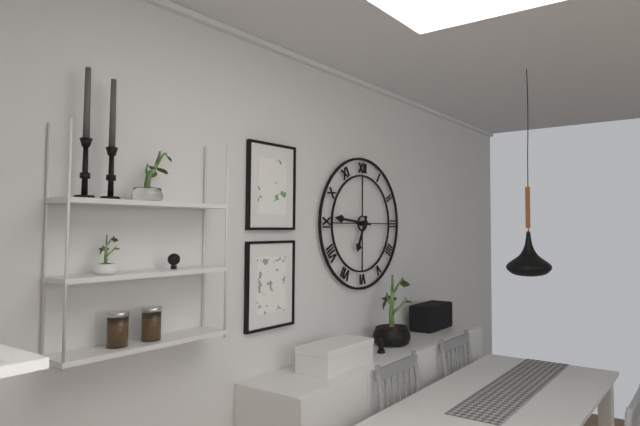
**6:46**
